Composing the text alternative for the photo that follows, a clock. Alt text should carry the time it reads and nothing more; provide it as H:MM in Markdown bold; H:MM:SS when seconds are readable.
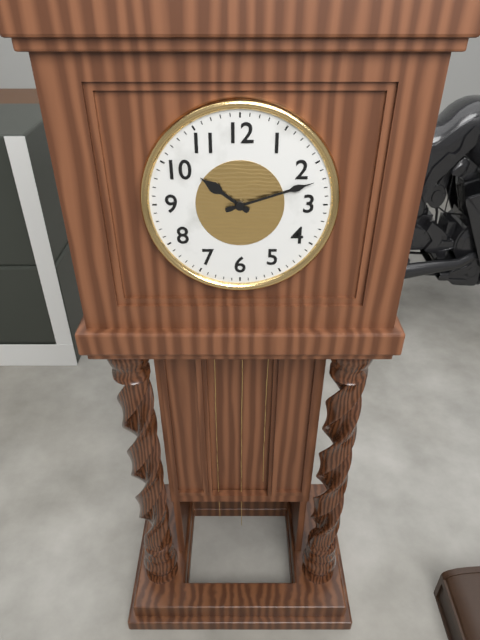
**10:12**
